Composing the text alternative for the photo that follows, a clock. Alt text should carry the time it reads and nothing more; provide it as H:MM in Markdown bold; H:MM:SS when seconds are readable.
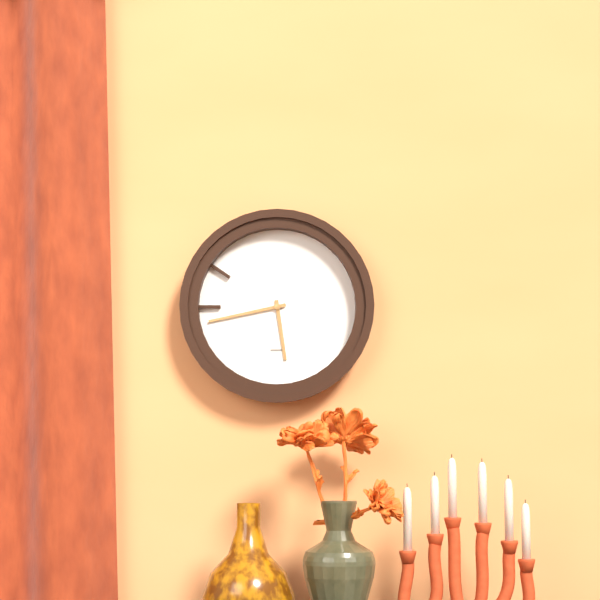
**5:43**
